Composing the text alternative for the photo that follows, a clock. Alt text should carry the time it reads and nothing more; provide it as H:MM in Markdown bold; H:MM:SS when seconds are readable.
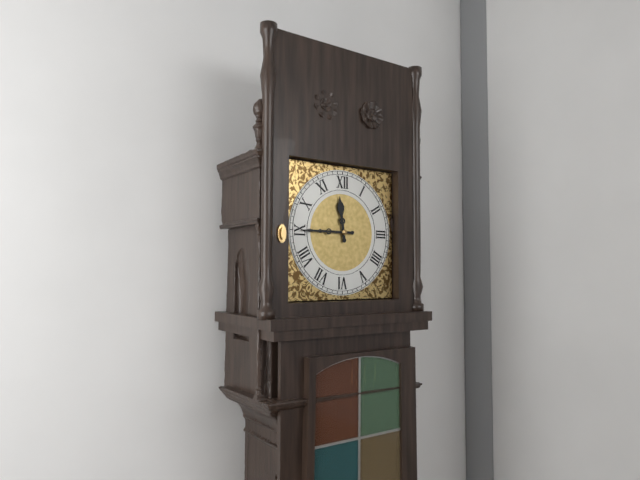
**11:45**
